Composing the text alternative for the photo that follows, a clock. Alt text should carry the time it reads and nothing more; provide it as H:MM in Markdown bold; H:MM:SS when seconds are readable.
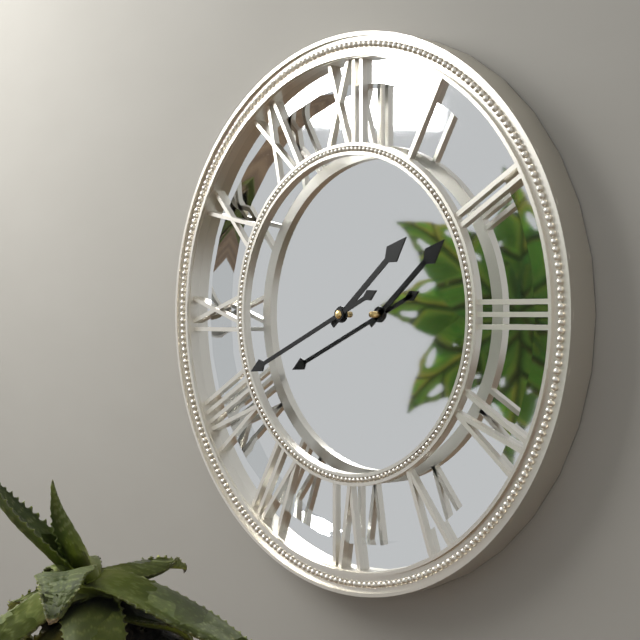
**1:41**
